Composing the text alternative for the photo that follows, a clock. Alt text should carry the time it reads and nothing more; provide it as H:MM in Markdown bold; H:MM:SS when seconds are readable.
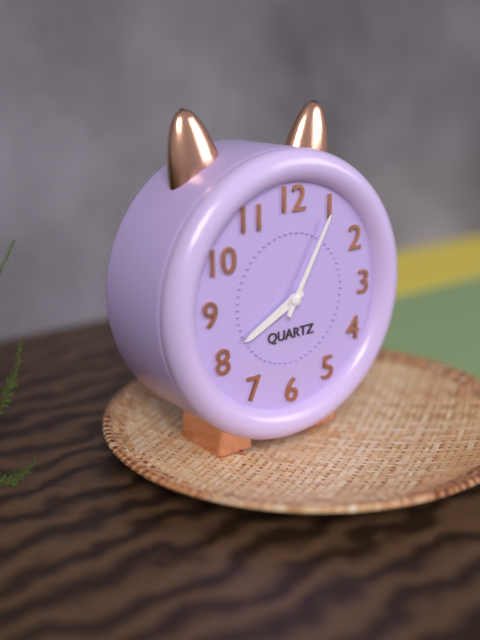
**8:05**
